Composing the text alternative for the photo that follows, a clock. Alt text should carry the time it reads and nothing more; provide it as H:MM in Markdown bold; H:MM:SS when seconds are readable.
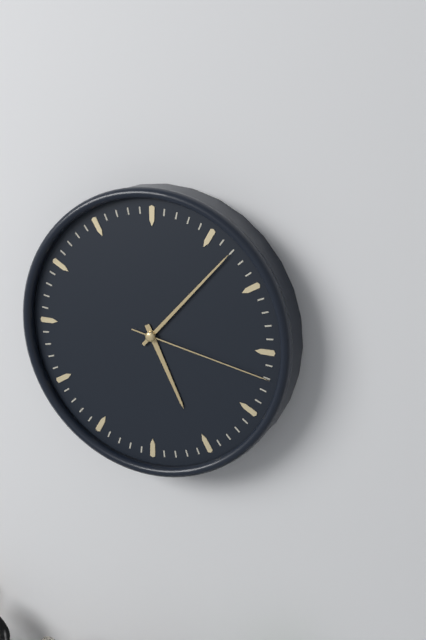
**5:07:17**
